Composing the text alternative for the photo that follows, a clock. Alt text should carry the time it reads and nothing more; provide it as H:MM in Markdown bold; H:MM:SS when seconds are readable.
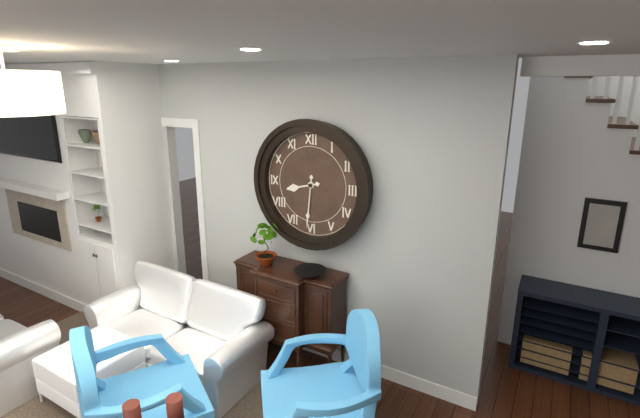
**8:31**
